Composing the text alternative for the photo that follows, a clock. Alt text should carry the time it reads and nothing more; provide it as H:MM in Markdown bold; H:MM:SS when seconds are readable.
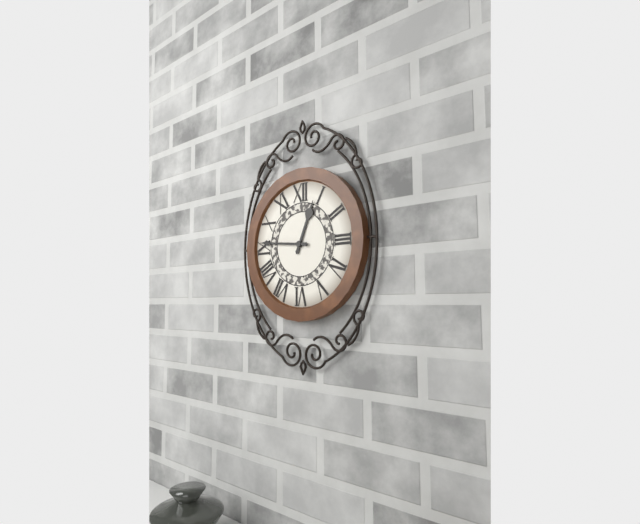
**12:46**
